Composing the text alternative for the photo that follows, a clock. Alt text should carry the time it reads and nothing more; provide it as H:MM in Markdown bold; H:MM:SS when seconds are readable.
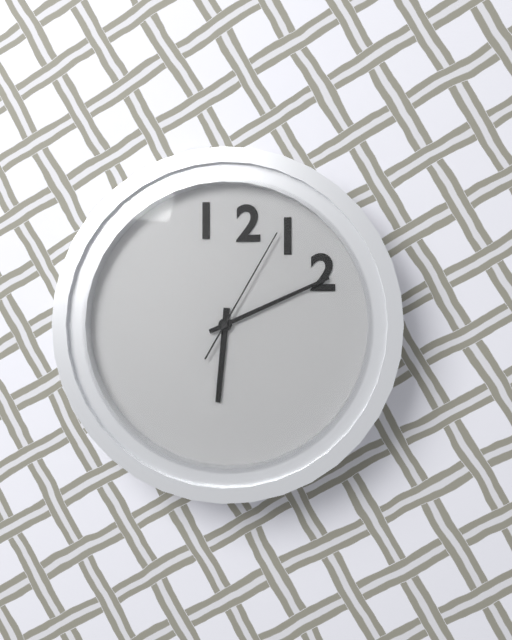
**6:11:05**
